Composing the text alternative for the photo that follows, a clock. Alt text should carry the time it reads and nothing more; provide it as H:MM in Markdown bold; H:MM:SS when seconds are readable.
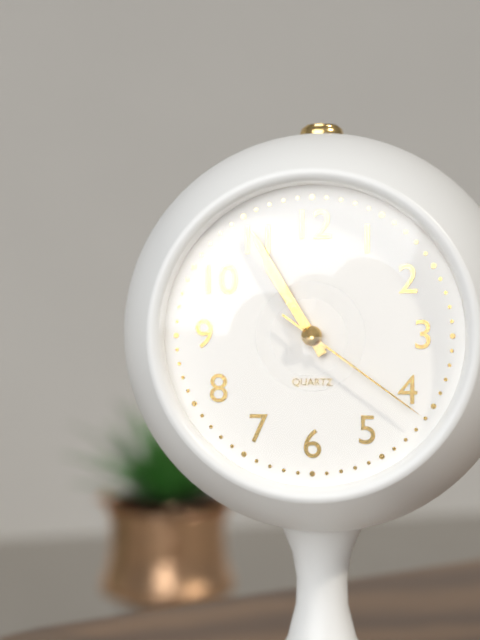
**10:55:21**
